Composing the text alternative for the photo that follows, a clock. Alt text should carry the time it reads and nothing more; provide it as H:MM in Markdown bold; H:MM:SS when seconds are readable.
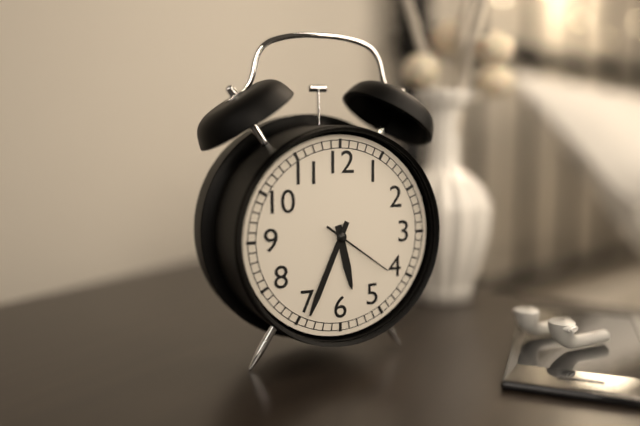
**5:34:21**
